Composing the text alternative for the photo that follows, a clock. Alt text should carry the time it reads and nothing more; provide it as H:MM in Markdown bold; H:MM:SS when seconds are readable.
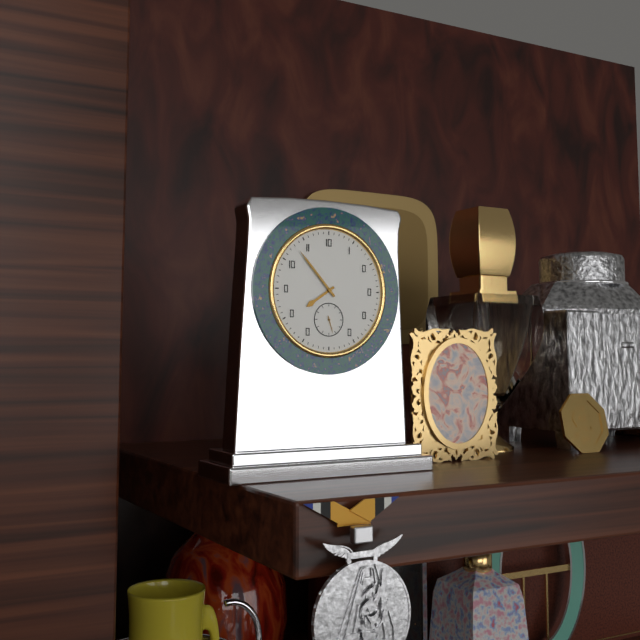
**7:53**
